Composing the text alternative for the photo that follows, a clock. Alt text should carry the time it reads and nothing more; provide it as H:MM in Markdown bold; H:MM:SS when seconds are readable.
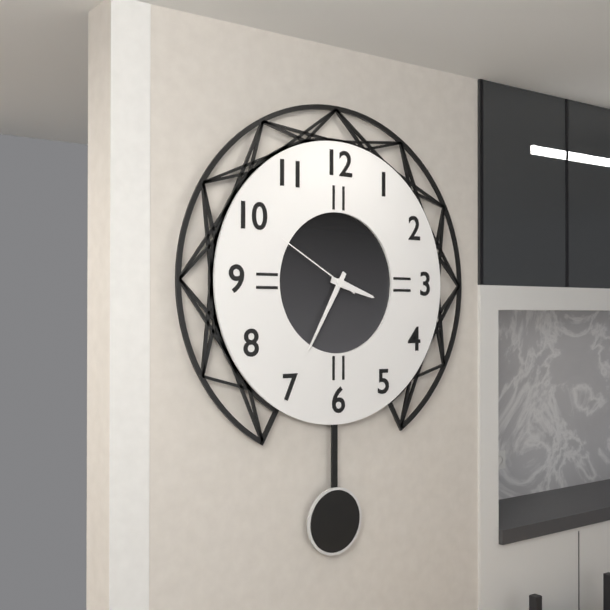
**3:35:50**
